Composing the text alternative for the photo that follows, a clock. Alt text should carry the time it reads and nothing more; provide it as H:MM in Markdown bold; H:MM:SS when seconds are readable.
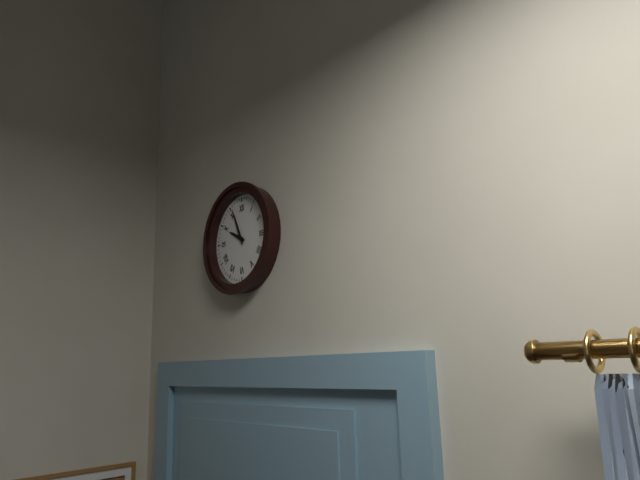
**9:56**
